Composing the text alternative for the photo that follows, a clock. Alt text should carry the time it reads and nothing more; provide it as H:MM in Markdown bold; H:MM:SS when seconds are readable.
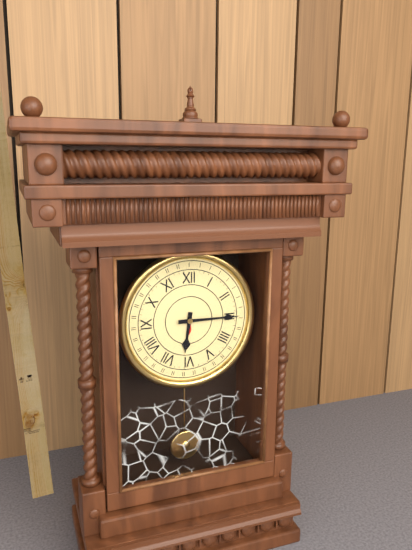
**6:15**
